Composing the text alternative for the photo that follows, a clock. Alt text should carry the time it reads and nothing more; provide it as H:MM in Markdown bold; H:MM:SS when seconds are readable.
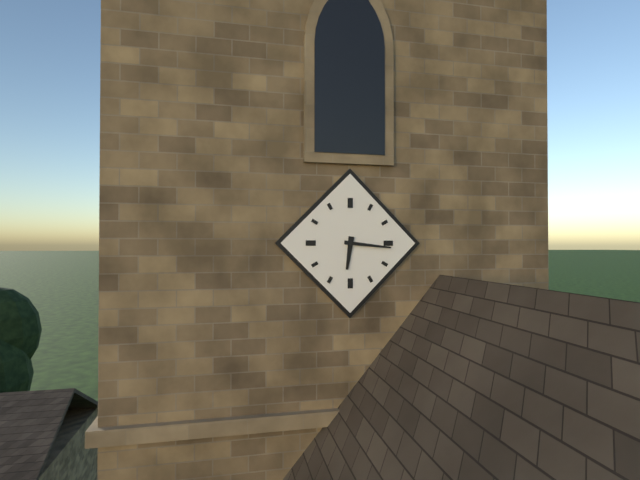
**6:16**
